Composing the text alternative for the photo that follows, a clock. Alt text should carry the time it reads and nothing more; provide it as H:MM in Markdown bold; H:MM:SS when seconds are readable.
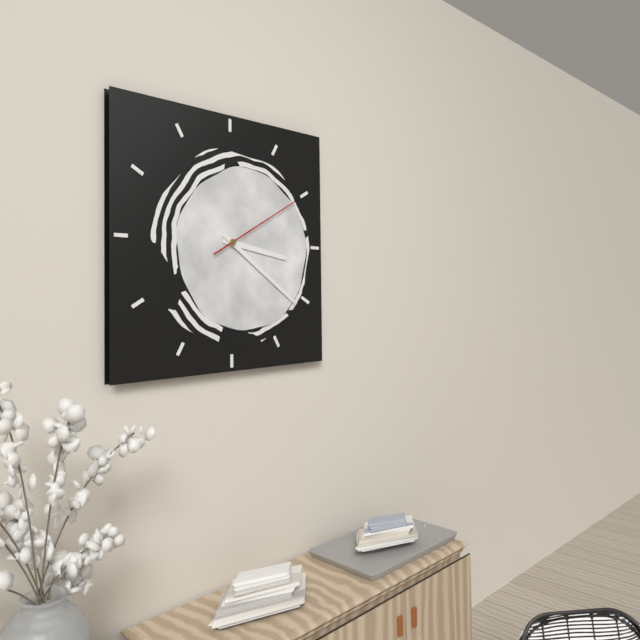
**3:21:10**
